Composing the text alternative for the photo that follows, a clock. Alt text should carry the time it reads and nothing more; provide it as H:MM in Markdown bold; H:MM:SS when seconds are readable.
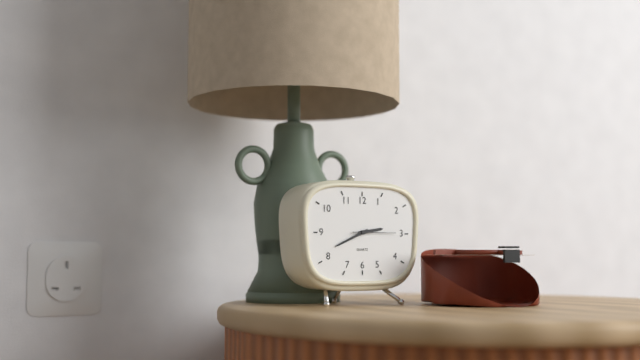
**2:41**
